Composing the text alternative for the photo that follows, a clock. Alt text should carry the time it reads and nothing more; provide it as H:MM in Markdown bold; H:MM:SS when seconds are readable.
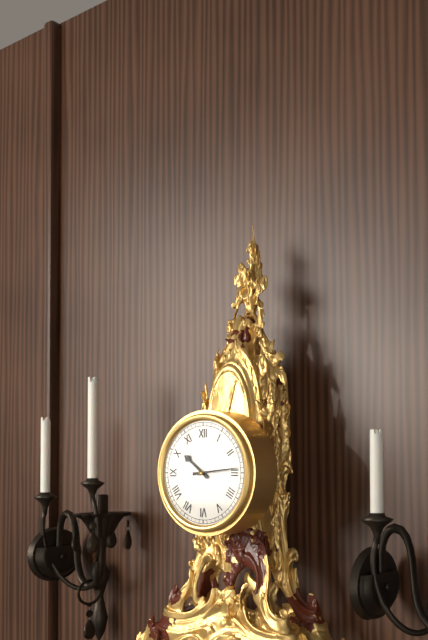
**10:14**
